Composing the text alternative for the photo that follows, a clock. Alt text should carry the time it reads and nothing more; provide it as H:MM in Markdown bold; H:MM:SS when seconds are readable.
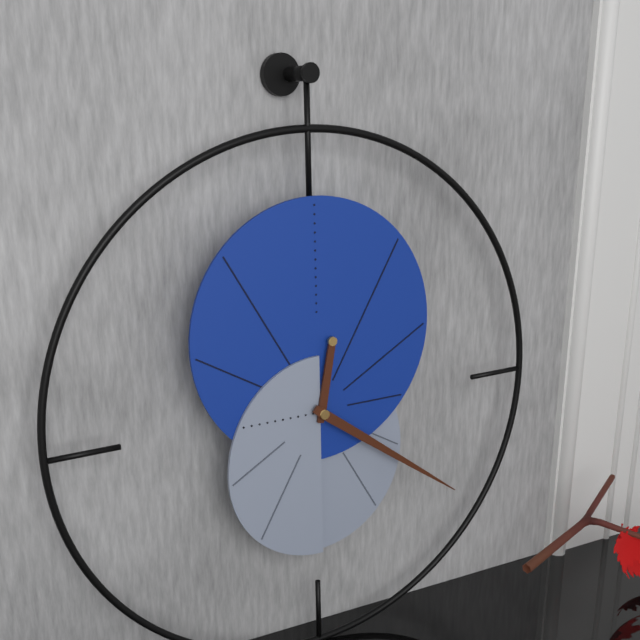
**12:21**
